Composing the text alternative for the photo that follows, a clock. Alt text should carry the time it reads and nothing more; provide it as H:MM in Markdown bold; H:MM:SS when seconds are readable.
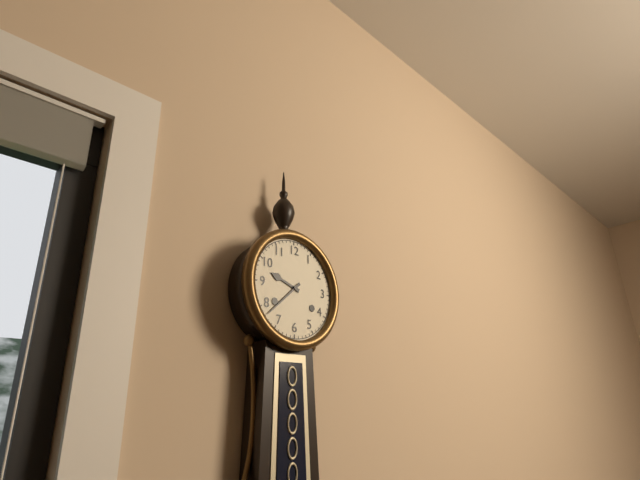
**9:38**
